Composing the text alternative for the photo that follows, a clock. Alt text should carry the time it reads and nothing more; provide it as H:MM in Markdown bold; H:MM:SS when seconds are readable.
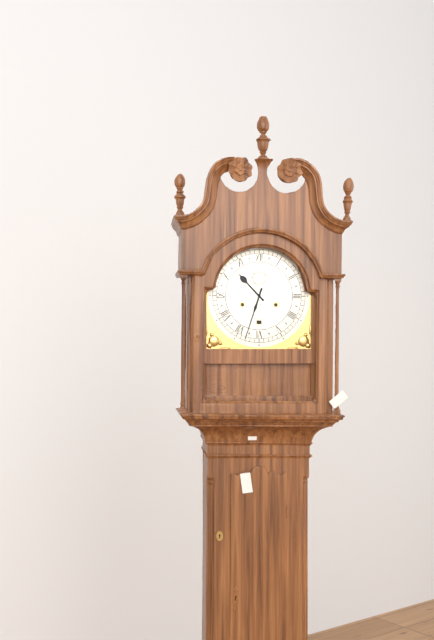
**10:33**
